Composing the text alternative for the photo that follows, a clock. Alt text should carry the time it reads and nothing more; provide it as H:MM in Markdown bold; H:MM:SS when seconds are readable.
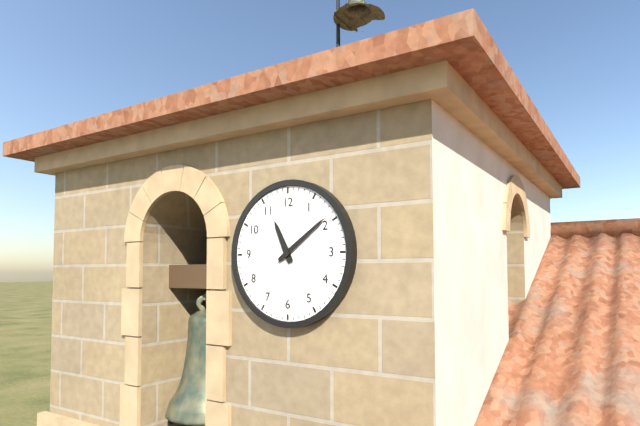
**11:09**
